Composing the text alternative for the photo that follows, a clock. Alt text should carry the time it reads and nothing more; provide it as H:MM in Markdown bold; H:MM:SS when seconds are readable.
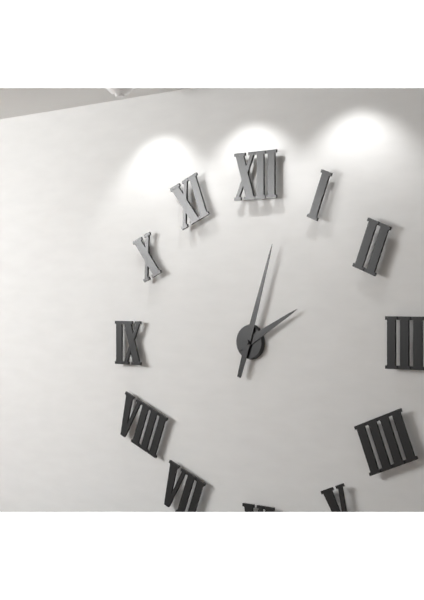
**2:03**
